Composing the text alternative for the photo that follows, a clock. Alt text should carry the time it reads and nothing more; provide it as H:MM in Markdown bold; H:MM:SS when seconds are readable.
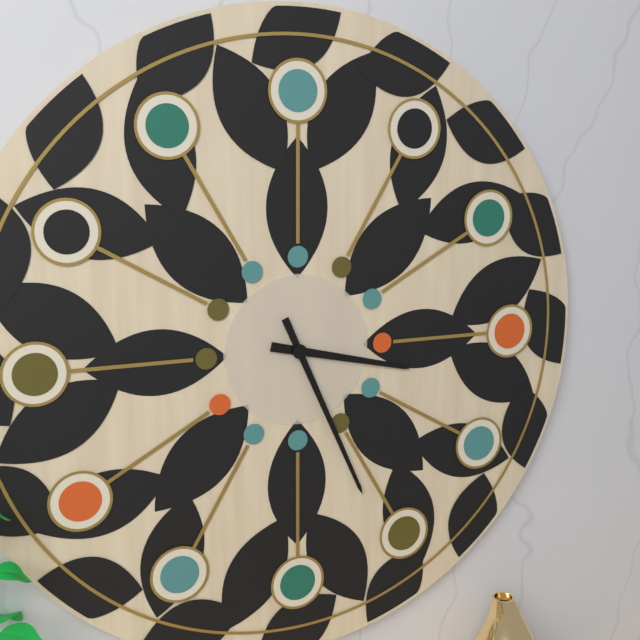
**3:26**
